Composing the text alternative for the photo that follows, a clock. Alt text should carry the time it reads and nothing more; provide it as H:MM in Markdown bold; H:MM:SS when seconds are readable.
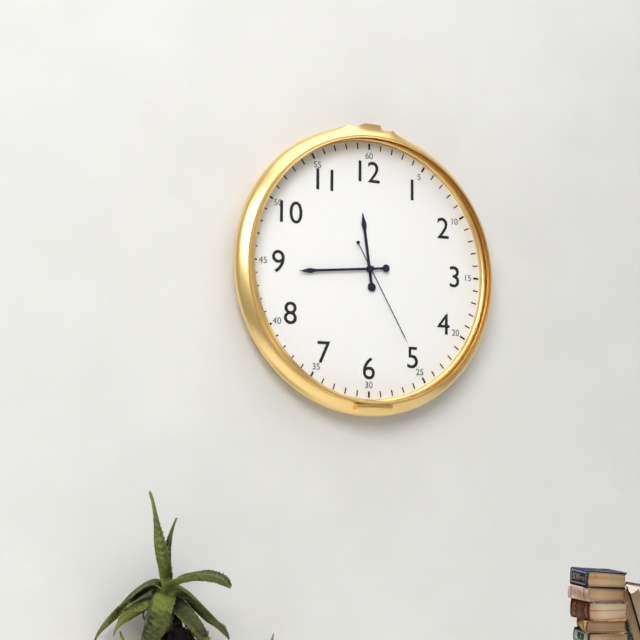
**11:44:25**
